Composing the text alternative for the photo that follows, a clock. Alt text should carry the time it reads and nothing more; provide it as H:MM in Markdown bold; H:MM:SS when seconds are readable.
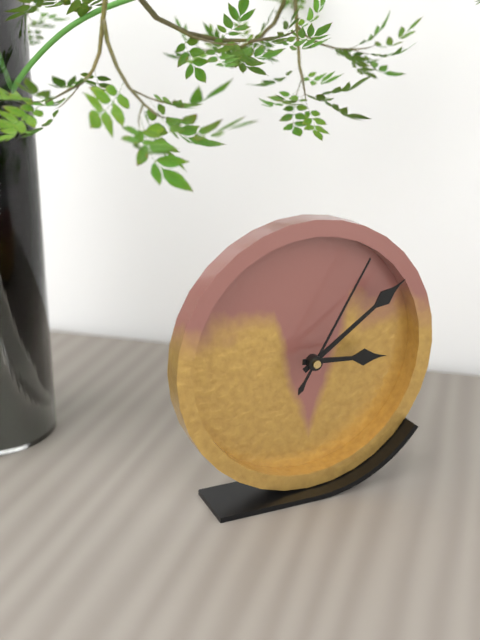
**3:09:05**
